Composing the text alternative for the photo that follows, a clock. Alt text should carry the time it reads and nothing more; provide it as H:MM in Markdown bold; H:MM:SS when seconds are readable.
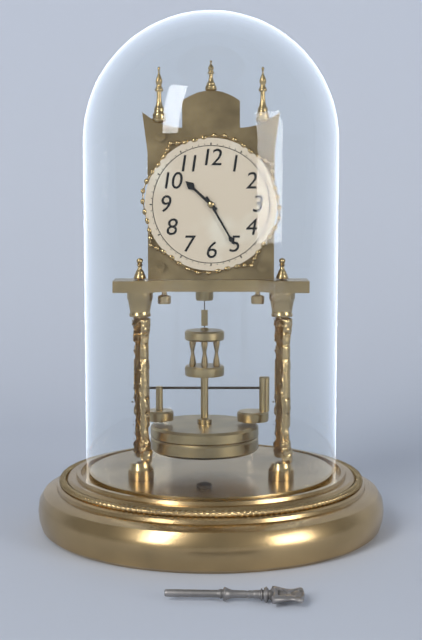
**10:25**
